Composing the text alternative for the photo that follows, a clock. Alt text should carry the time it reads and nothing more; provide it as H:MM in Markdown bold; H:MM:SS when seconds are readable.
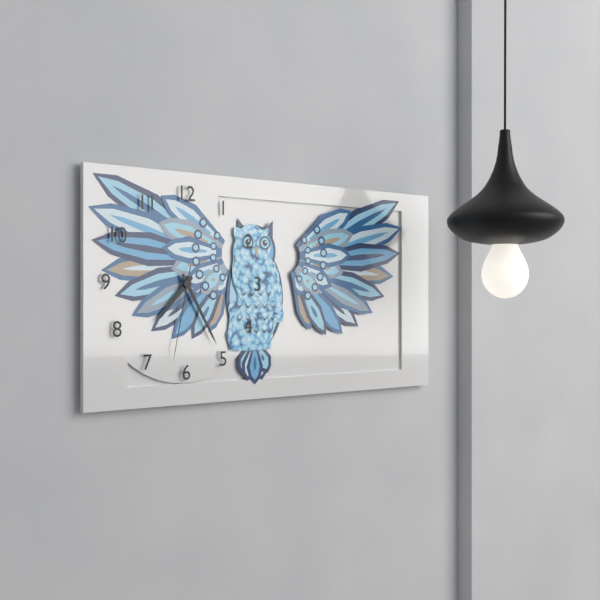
**7:25:32**
